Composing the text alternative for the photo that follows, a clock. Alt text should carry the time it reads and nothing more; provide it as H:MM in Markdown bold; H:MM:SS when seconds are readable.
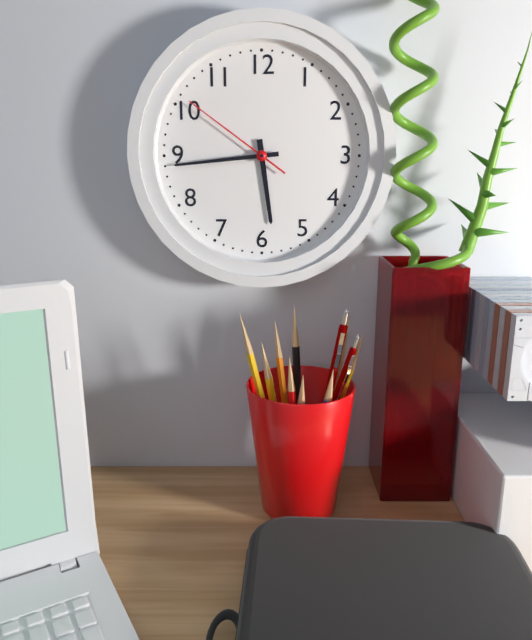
**5:44:51**
